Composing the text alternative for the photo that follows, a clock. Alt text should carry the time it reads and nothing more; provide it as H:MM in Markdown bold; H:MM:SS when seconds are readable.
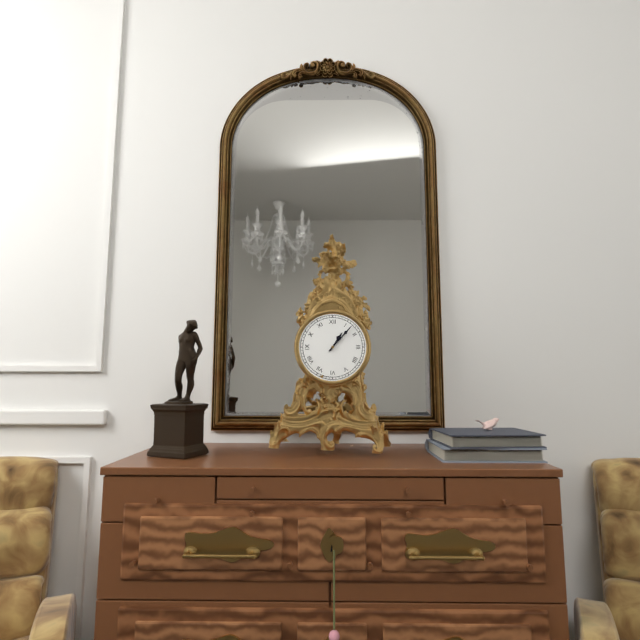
**1:07**
